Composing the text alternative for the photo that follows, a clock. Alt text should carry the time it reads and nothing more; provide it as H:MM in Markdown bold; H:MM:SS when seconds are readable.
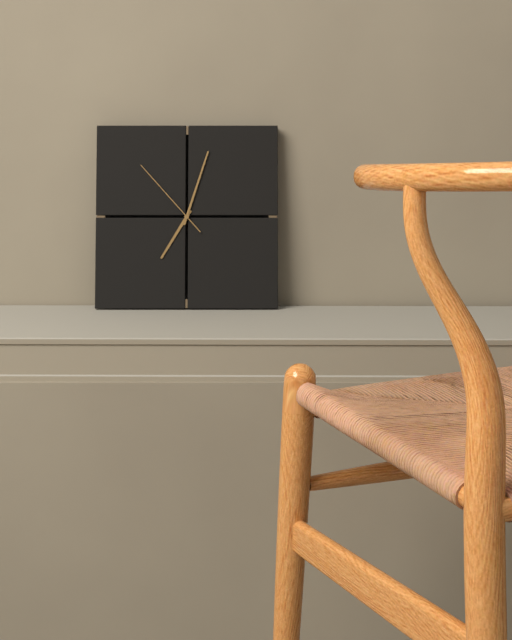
**7:03:53**
